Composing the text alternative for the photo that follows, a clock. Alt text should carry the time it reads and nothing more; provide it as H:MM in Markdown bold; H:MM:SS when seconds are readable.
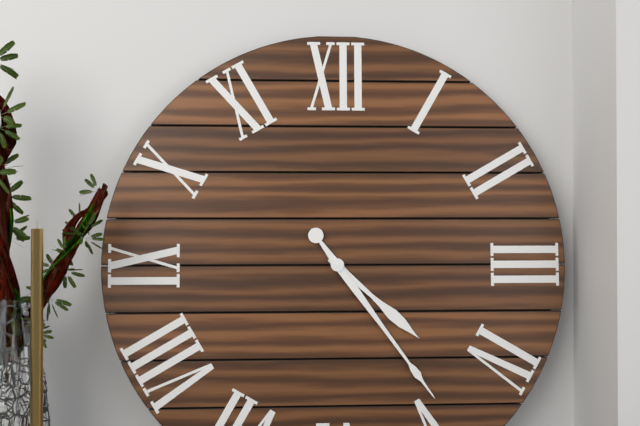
**4:24**
